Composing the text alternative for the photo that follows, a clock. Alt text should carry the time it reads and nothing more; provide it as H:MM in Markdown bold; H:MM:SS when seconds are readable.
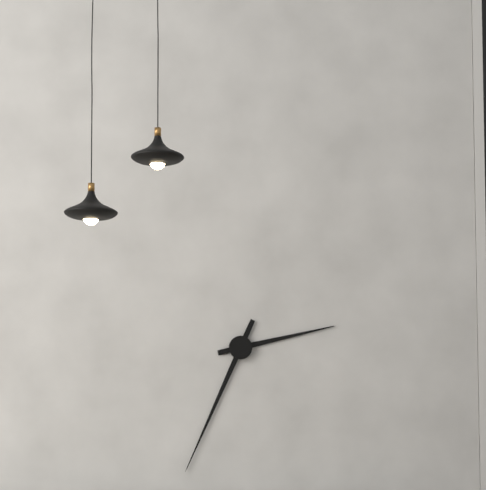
**2:34**
